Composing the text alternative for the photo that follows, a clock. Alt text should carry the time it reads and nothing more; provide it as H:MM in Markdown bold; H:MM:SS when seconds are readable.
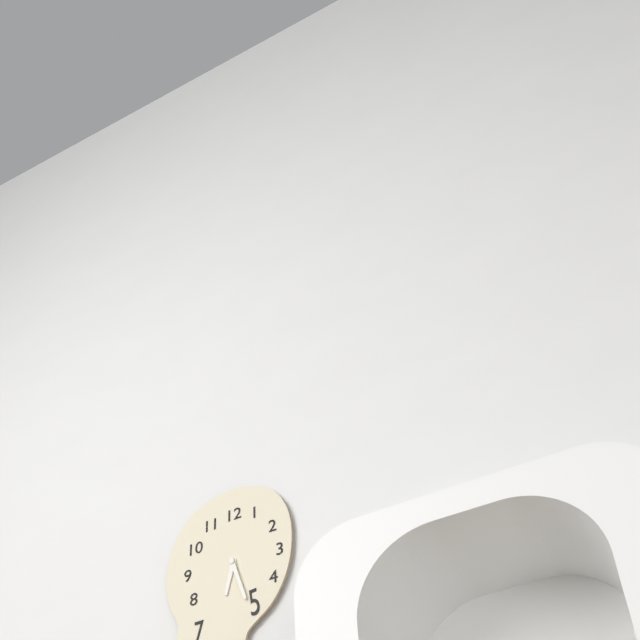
**6:27**
